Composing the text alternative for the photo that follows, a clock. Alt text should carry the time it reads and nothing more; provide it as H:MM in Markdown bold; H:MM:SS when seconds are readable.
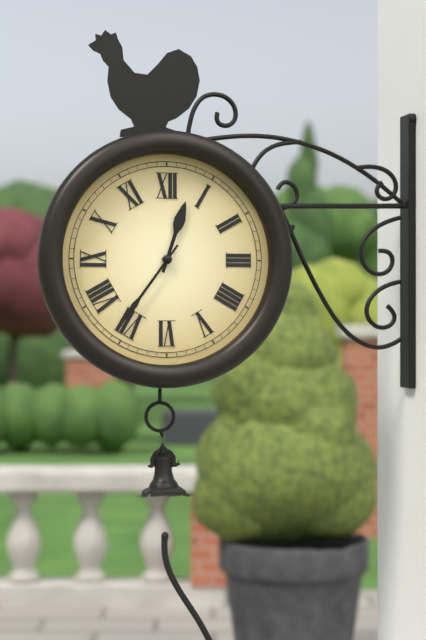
**12:36**
